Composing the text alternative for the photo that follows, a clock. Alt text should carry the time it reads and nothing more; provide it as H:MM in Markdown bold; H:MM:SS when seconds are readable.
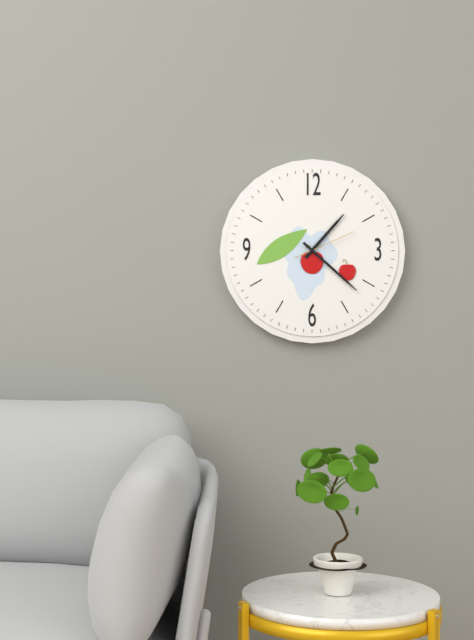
**1:22:11**
